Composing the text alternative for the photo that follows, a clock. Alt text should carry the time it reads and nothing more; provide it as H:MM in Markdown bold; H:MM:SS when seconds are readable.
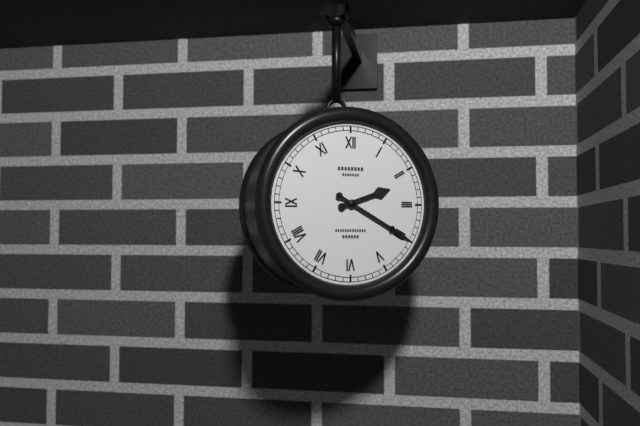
**2:20**
